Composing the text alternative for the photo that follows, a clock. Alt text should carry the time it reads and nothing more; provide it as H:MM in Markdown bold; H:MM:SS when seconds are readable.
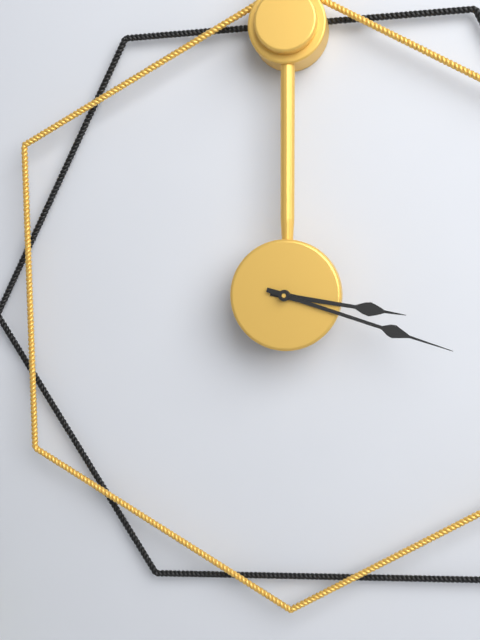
**3:18**
